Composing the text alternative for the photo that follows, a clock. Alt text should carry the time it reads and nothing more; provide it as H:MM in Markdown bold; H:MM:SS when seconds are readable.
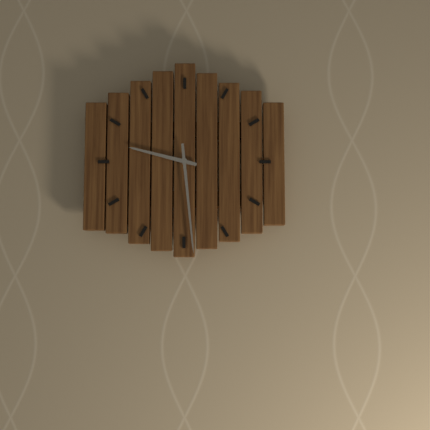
**9:29**
